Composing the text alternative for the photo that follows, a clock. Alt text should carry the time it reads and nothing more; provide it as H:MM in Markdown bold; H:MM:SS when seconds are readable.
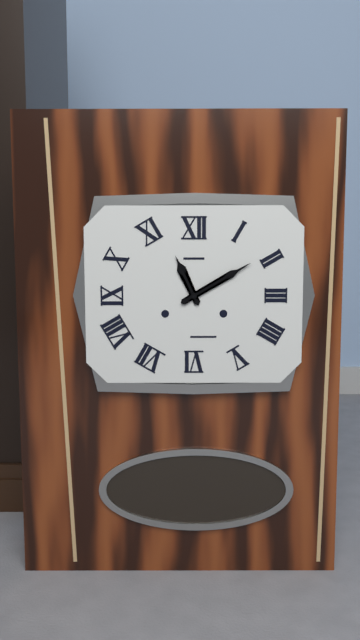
**11:10**
